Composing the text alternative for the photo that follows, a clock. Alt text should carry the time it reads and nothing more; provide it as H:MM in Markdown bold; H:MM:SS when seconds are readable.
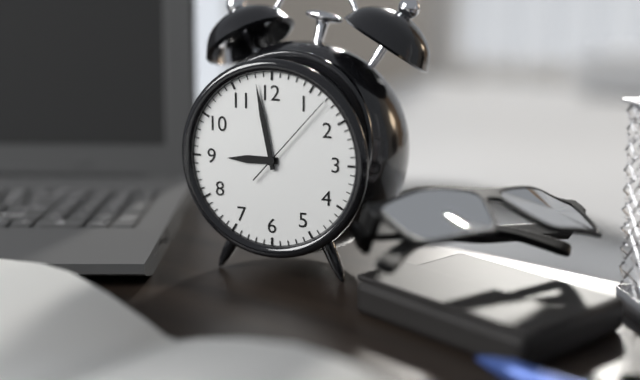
**8:58:07**
